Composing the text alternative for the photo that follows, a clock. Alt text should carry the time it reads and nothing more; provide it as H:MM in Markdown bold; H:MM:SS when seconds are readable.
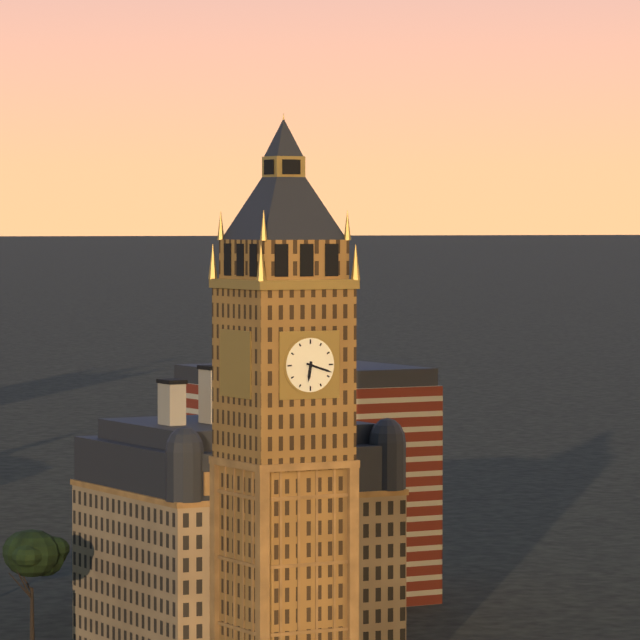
**6:18**
